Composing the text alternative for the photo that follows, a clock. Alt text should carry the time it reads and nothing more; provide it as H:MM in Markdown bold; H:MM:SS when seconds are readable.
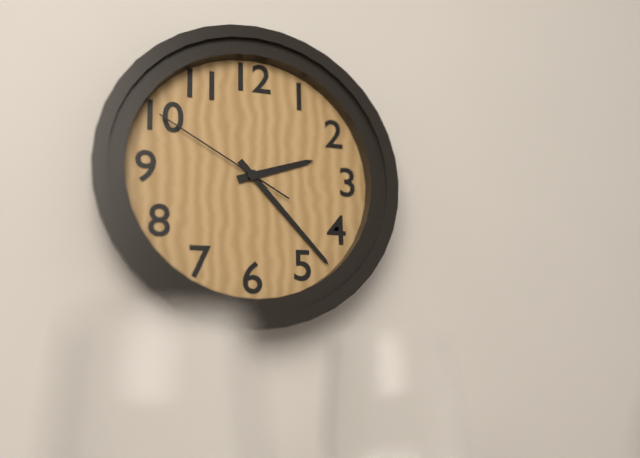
**2:23:50**
